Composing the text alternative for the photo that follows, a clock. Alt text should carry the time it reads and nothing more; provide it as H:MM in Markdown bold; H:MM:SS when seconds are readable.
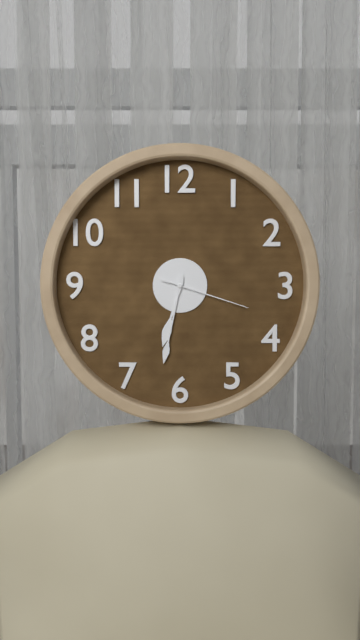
**6:32:18**
